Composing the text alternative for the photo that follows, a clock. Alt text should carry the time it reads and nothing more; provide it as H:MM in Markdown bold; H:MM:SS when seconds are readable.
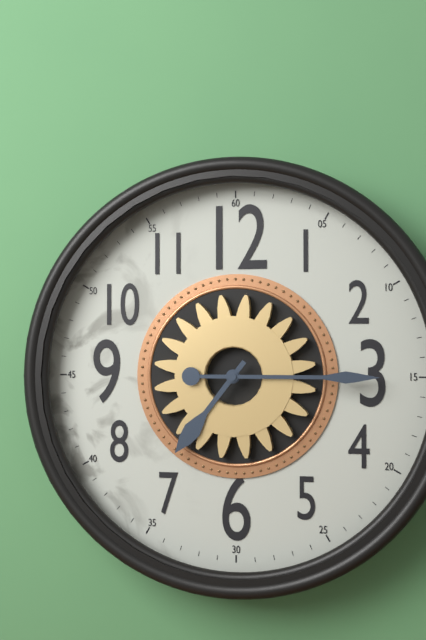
**7:15**
